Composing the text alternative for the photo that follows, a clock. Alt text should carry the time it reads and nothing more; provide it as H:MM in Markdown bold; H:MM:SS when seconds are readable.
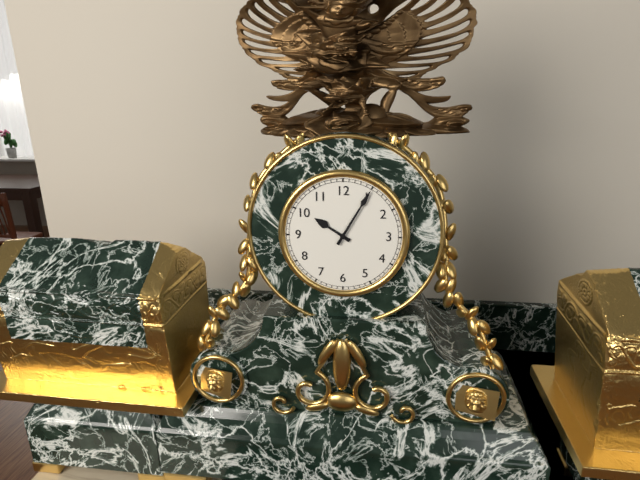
**10:05**
